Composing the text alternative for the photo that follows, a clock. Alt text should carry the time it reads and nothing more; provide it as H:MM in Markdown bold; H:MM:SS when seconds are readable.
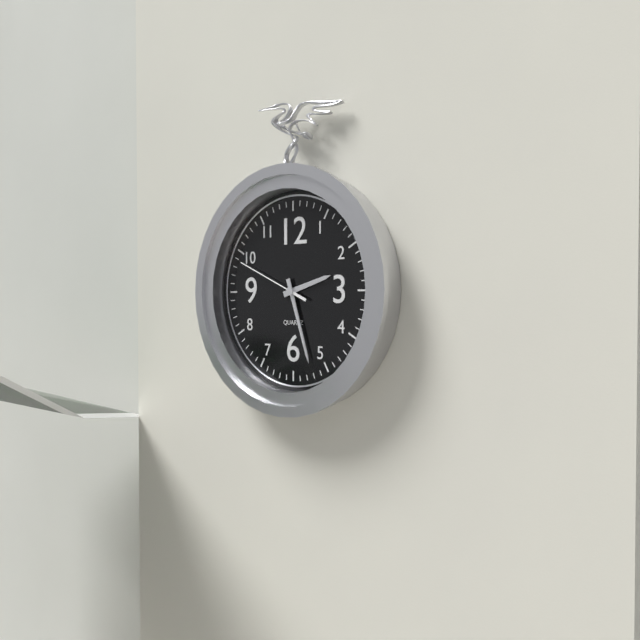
**2:27:49**
